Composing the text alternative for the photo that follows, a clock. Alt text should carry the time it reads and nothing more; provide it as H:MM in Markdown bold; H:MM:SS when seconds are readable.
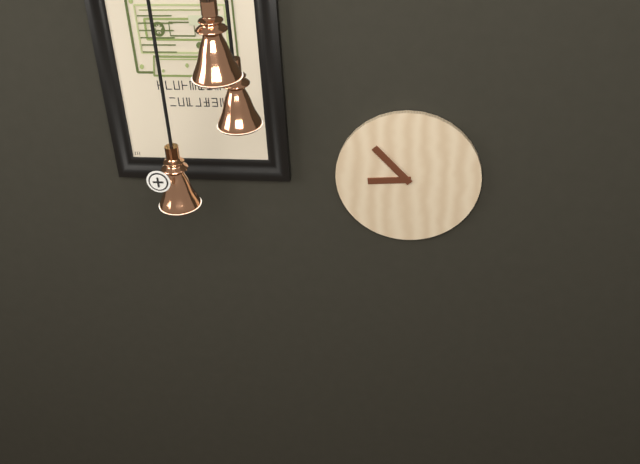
**8:53**
